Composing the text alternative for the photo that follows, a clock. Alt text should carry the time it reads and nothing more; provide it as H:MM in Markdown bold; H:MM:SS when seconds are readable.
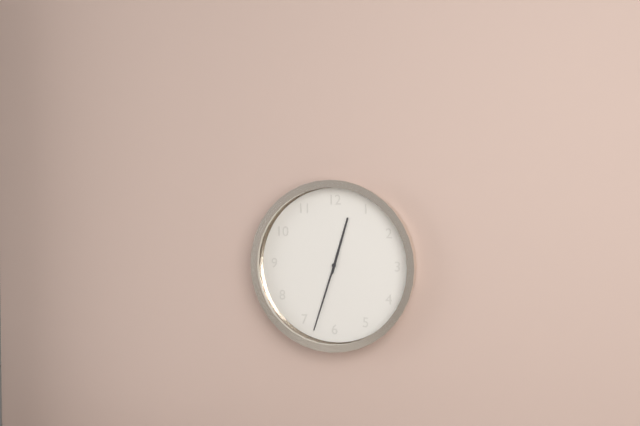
**12:33**
